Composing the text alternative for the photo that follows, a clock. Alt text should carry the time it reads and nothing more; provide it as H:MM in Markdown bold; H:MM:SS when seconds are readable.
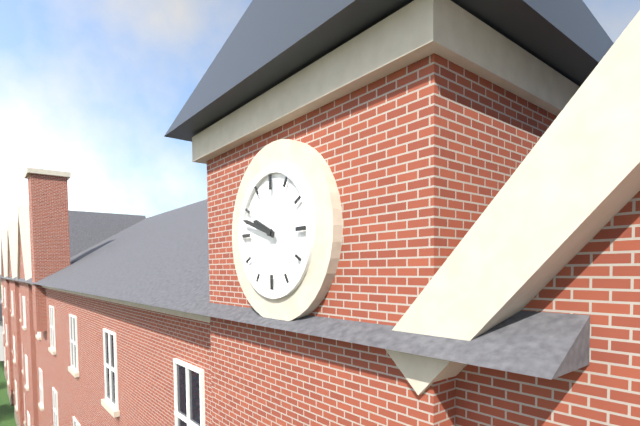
**9:48**
